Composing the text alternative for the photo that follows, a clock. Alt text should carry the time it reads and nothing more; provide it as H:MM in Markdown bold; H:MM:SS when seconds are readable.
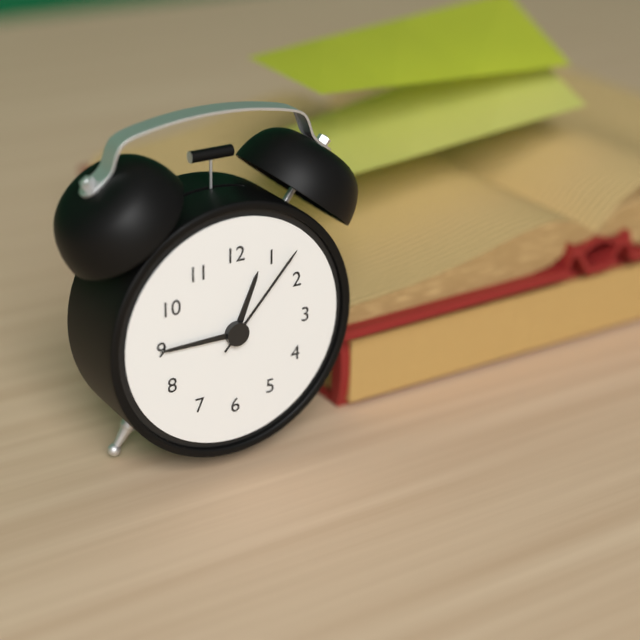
**12:45:07**
